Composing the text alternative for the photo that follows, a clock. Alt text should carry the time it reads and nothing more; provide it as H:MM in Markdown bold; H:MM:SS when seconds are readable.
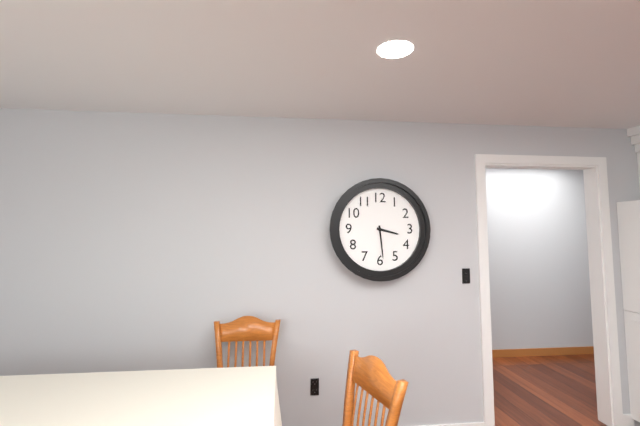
**3:29**
